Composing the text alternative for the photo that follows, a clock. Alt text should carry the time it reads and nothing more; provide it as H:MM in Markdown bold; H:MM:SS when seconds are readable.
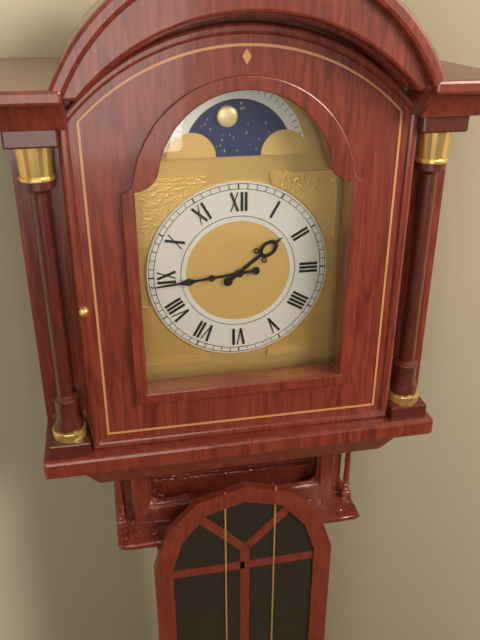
**1:44**
